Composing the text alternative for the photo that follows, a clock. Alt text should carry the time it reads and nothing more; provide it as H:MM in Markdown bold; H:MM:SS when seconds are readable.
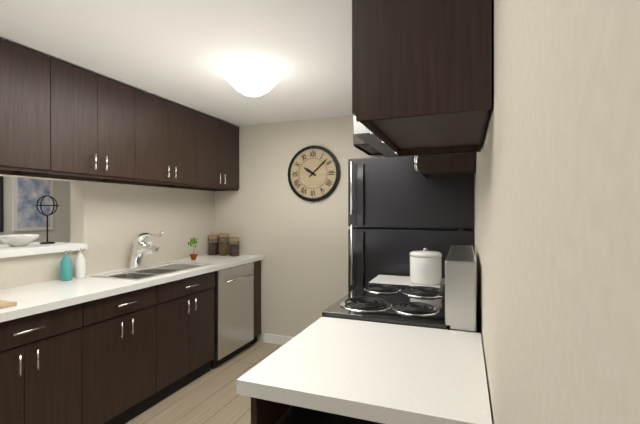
**10:08**
